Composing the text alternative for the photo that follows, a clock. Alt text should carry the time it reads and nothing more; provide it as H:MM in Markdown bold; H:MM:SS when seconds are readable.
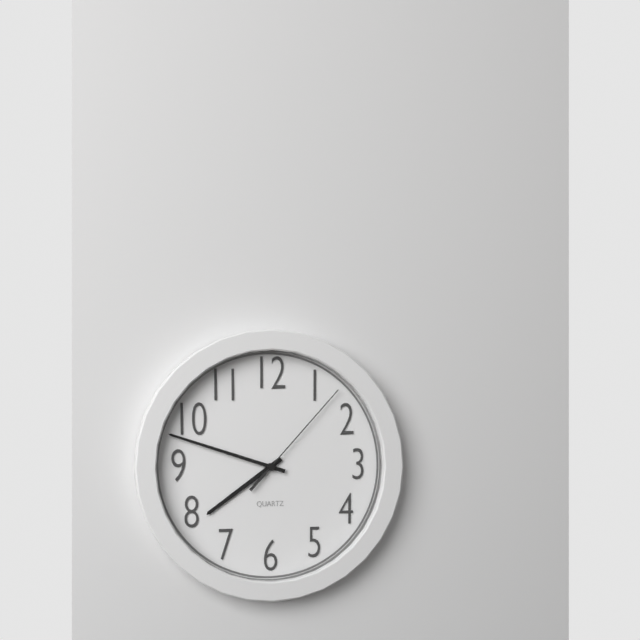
**7:48:07**
